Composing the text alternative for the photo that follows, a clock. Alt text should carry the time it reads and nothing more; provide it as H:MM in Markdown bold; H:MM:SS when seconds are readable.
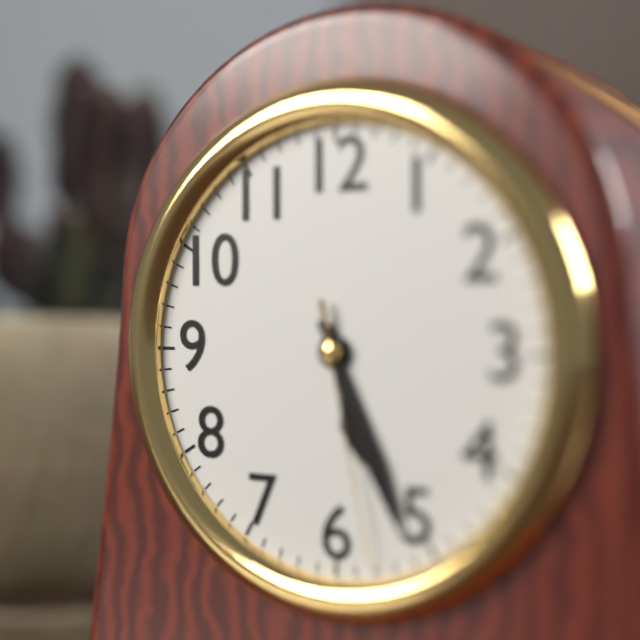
**5:26:28**
